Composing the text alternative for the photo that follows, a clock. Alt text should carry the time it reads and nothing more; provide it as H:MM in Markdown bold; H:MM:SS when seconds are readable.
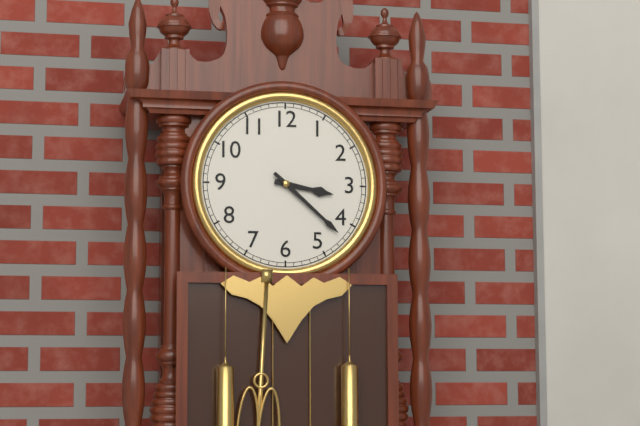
**3:22**
